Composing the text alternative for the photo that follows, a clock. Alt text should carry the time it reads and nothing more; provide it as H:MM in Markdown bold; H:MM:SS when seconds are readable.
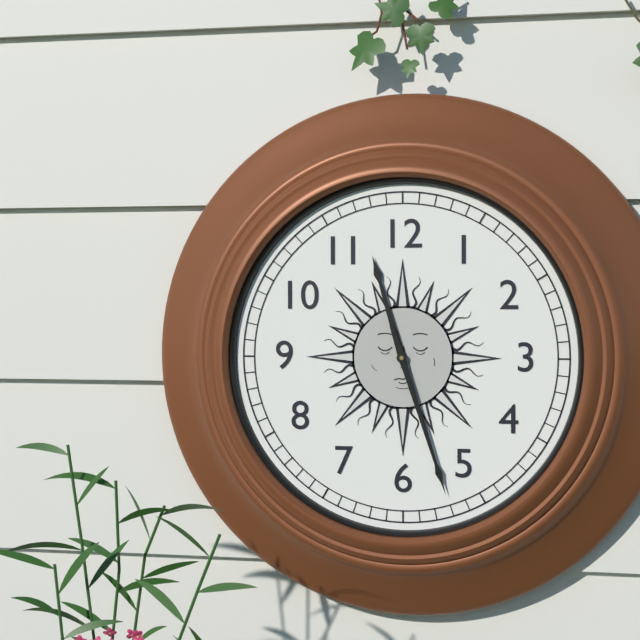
**11:27**
